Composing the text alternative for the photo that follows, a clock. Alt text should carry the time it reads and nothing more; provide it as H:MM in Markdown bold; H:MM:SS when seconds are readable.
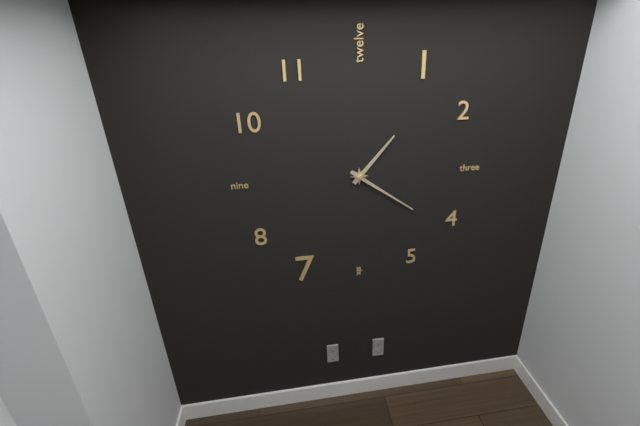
**1:21**
